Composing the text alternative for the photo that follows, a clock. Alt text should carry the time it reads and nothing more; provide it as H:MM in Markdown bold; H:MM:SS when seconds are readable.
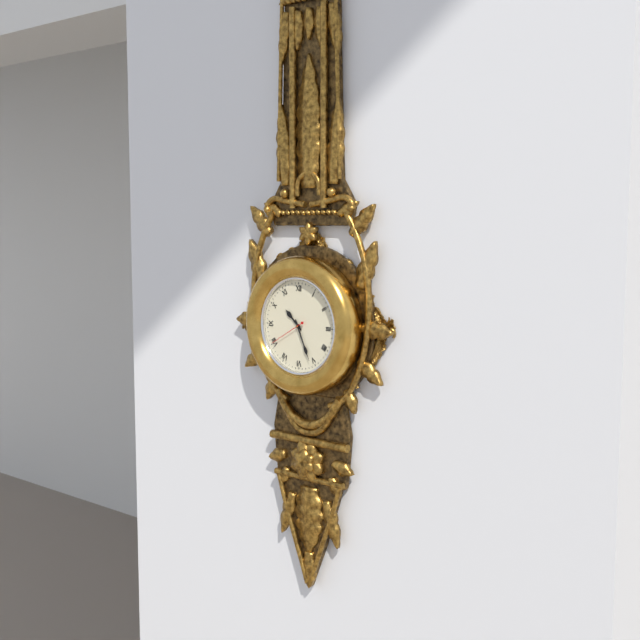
**10:26:40**
